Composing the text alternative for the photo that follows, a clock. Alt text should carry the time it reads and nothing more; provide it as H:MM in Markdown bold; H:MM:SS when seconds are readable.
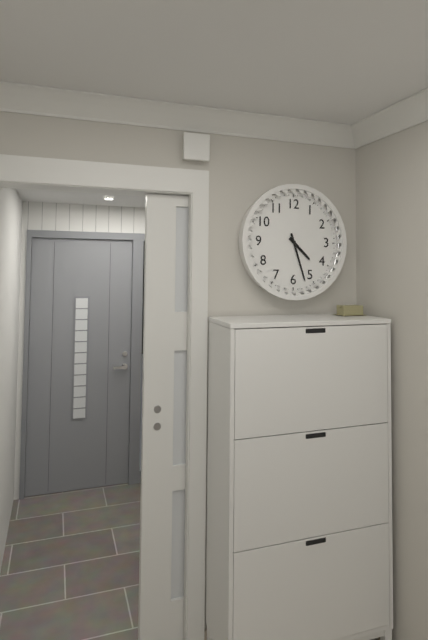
**4:27**
